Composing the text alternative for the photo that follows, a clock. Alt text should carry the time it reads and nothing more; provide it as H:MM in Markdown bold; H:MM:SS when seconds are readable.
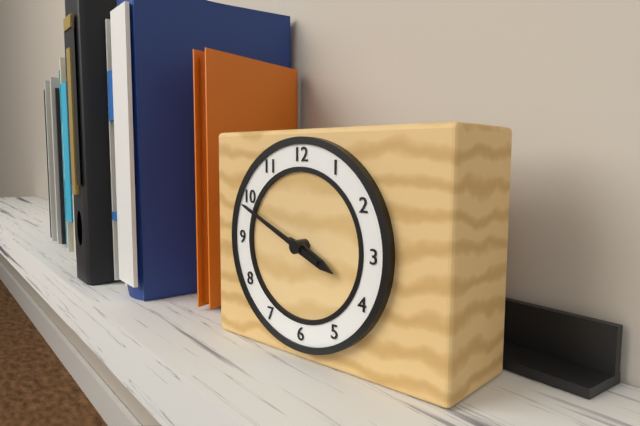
**3:49**
